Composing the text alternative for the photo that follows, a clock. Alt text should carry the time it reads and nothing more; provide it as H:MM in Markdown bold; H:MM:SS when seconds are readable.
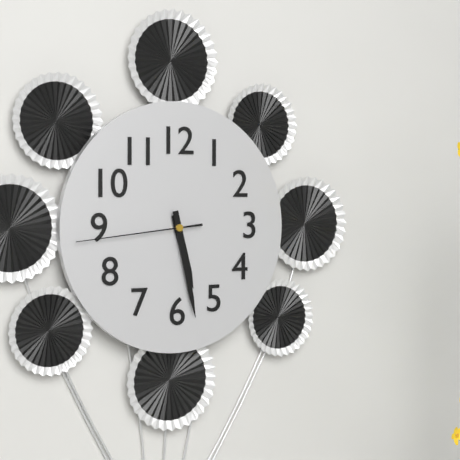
**5:28:44**
